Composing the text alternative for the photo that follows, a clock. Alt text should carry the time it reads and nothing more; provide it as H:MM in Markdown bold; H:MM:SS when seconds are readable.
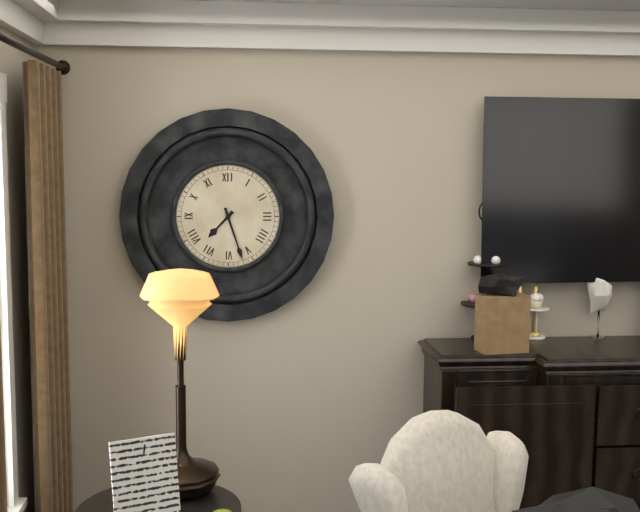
**7:27**
